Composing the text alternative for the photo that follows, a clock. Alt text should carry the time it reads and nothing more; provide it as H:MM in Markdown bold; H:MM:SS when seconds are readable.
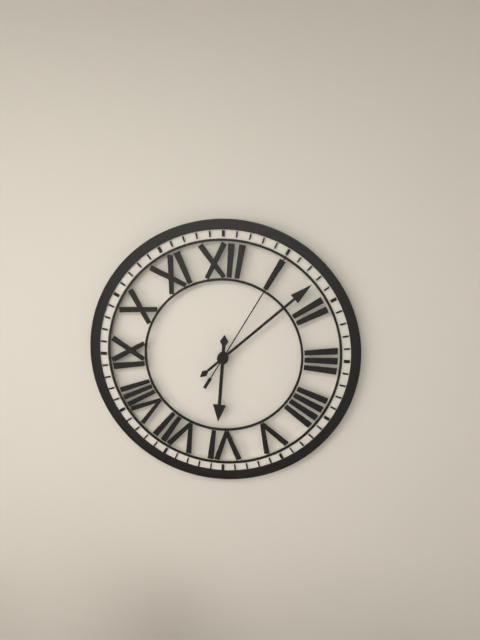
**6:08:05**
